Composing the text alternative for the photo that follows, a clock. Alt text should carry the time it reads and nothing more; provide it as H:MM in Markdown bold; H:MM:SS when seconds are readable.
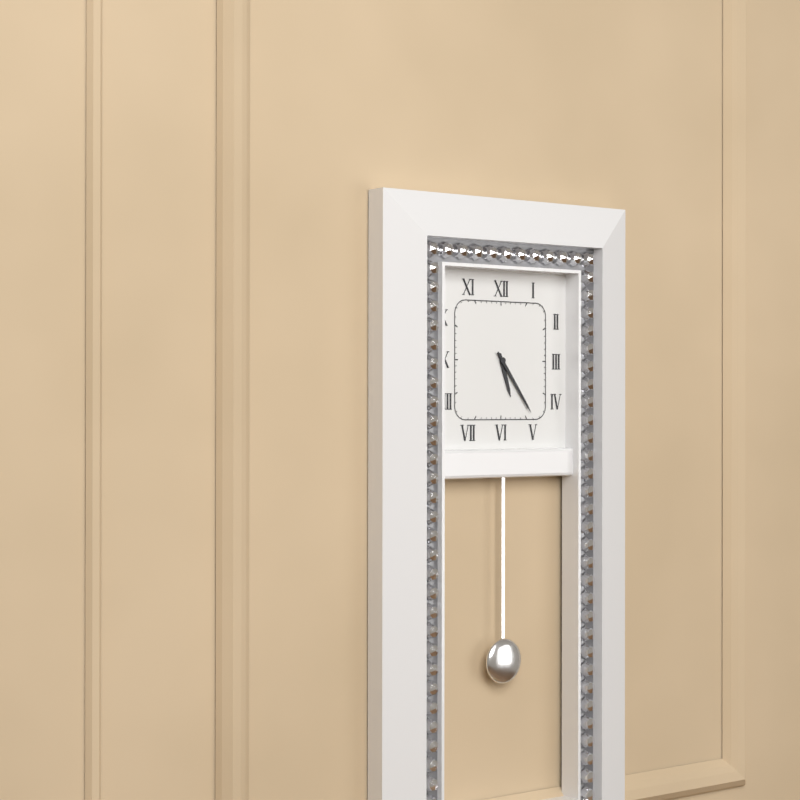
**5:24**
